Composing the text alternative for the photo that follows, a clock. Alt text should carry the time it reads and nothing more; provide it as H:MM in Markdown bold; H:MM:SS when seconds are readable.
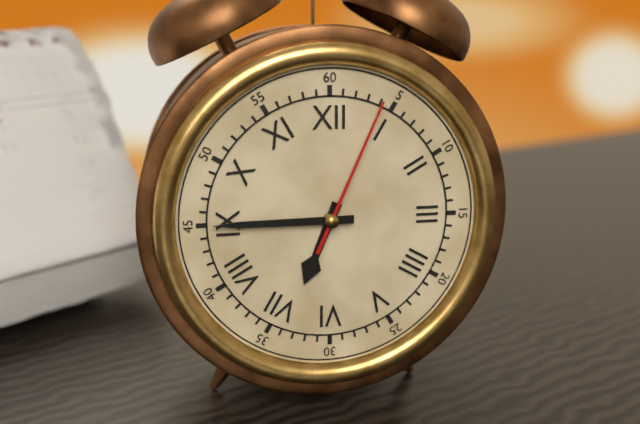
**6:45:04**
